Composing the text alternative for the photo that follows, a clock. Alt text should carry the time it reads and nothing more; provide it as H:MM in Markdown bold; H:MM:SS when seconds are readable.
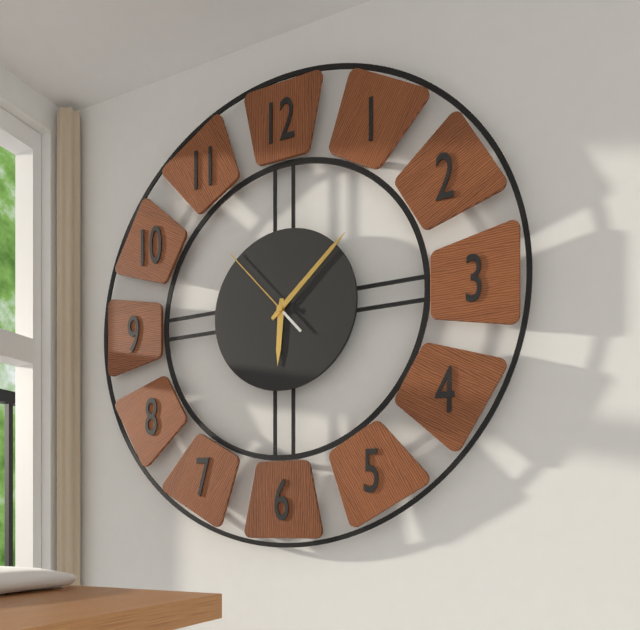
**6:08:53**
